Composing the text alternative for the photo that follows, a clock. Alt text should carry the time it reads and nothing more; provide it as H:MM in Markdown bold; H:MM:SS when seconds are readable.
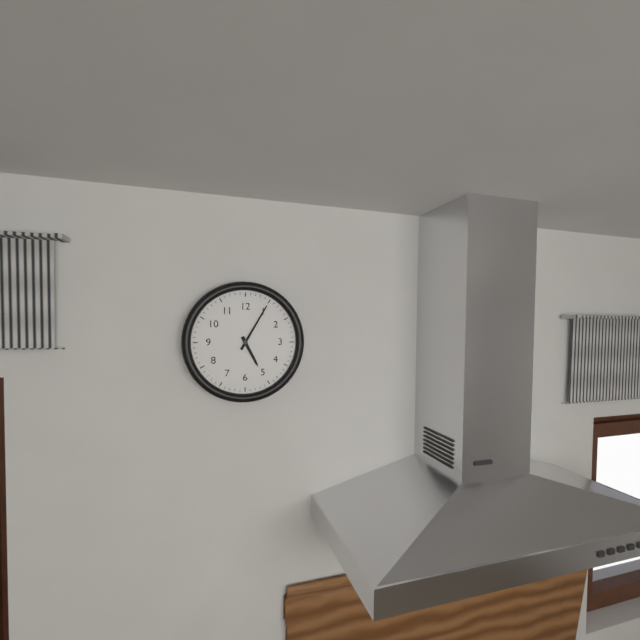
**5:05**
